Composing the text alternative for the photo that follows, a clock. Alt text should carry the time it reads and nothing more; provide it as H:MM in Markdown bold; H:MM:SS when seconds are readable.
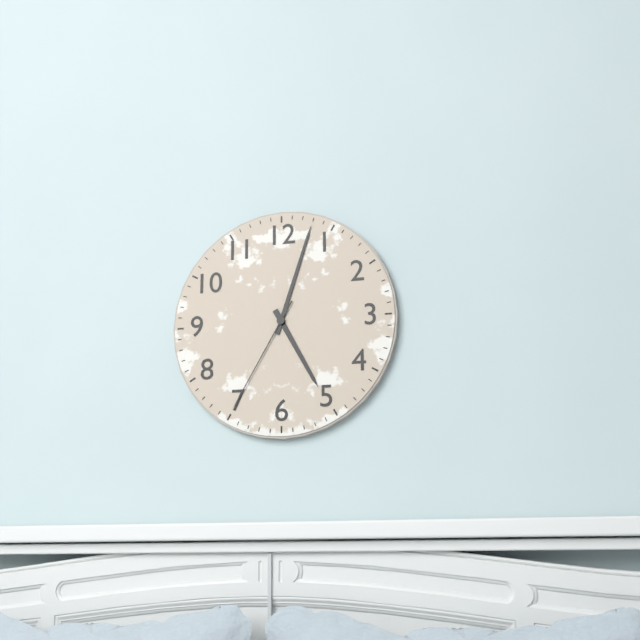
**5:03:35**
